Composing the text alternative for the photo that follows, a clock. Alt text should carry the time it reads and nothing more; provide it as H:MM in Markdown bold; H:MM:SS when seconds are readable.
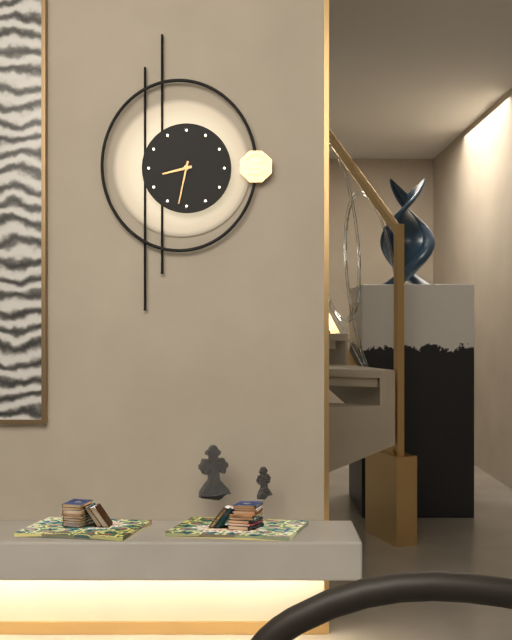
**8:32**
